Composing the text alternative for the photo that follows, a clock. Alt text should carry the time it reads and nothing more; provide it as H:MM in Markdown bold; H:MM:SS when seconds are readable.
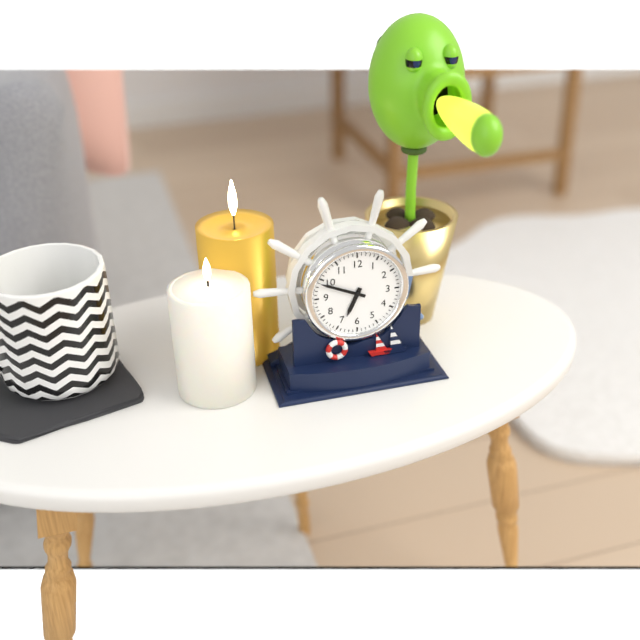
**6:49**
